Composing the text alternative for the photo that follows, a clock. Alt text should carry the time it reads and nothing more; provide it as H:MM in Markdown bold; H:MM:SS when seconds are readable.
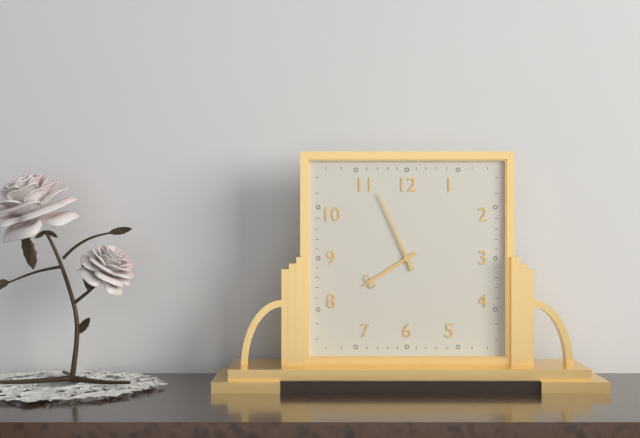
**7:56**
